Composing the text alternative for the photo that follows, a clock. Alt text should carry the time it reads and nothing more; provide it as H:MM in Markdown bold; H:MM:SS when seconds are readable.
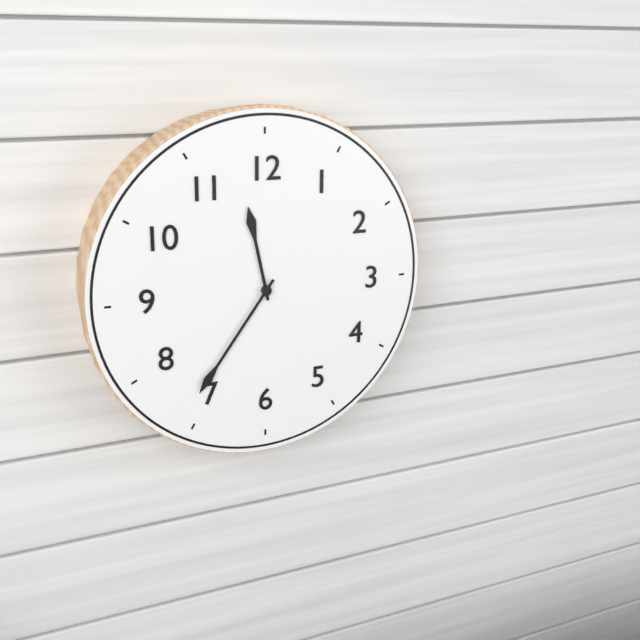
**11:36**
